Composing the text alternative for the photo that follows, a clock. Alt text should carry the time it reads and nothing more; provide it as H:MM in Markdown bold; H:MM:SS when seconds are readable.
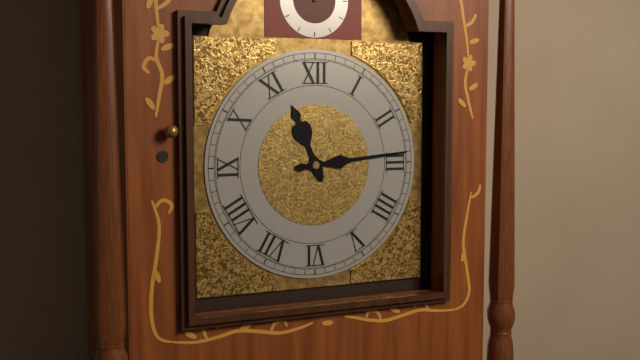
**11:14**
